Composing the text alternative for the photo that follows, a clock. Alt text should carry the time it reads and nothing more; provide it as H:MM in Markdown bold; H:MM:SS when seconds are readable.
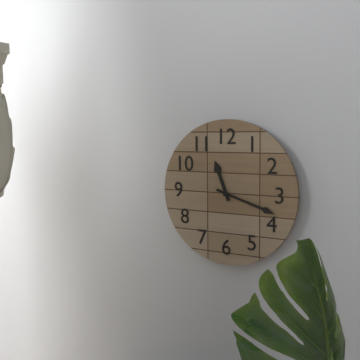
**11:18**
